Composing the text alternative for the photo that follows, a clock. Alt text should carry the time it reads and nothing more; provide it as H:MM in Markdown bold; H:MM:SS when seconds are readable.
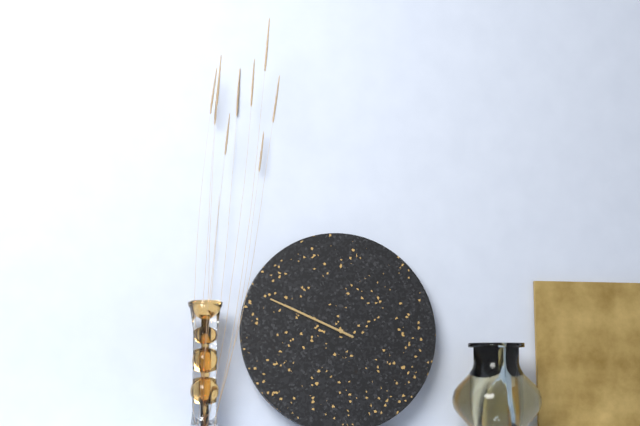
**9:49**
